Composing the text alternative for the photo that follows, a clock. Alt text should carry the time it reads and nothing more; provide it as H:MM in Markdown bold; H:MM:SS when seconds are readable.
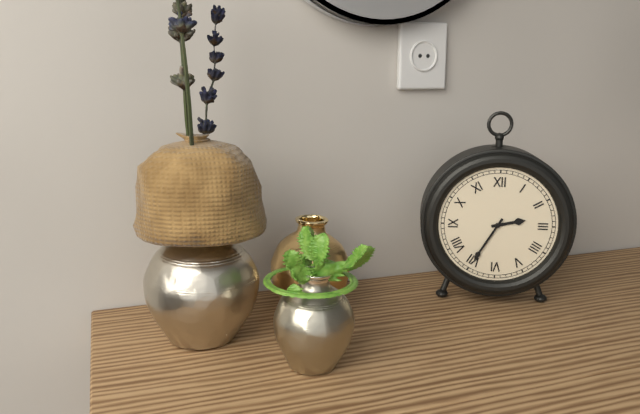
**2:35**
